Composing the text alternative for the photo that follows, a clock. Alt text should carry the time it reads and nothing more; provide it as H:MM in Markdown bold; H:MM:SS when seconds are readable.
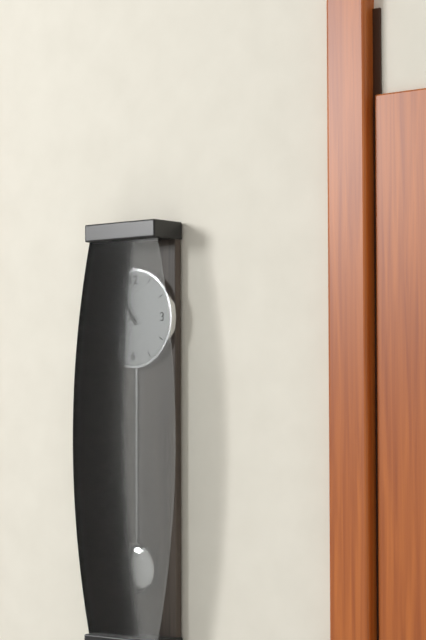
**10:54**
